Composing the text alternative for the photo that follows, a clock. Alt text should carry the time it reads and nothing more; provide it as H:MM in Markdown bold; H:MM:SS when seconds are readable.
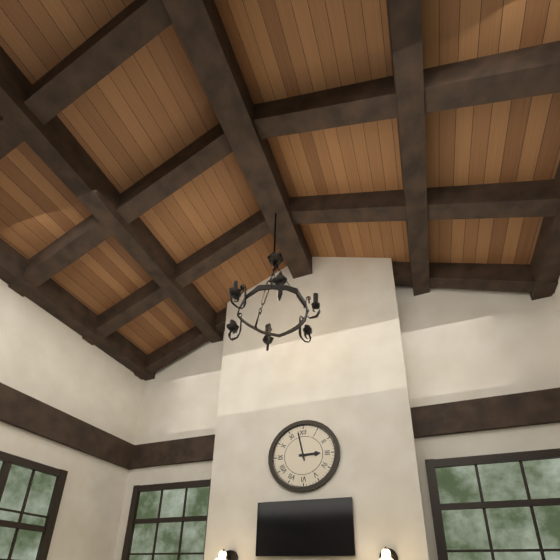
**2:58**
